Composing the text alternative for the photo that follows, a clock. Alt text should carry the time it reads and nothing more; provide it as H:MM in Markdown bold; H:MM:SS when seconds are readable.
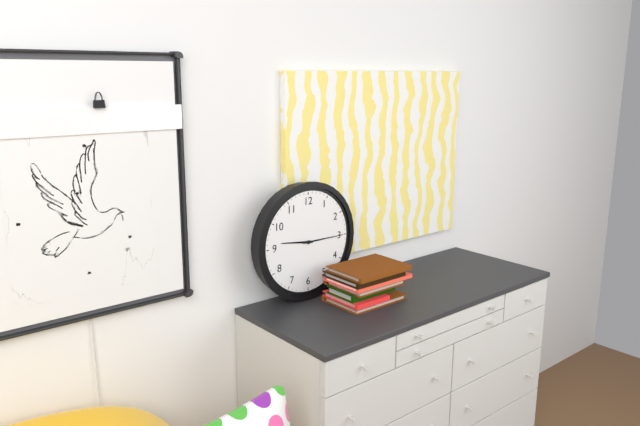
**9:15**
